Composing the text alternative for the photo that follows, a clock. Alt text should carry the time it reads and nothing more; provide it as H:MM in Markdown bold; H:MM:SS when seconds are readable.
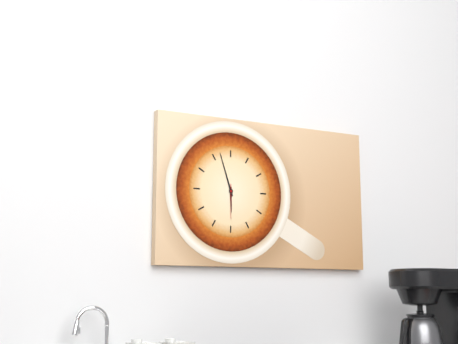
**5:57**
